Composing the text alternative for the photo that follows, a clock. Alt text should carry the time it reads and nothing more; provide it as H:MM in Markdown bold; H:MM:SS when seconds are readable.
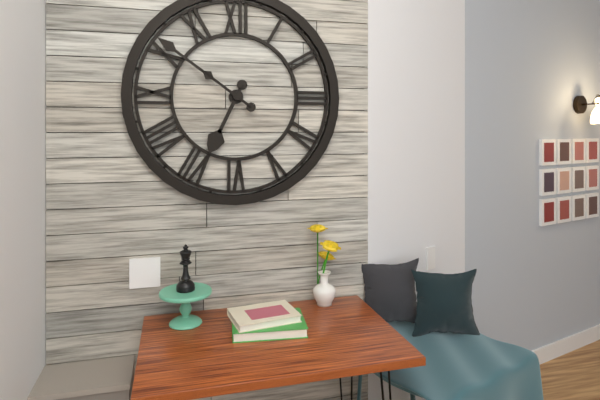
**6:51**
